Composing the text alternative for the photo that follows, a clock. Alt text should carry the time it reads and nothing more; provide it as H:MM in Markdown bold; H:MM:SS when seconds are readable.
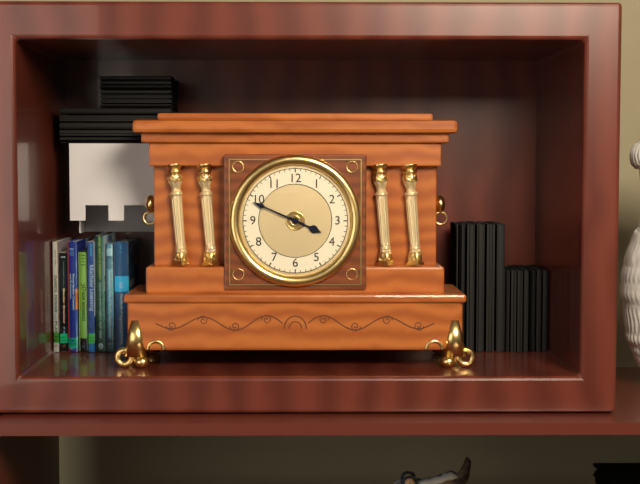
**3:49**
